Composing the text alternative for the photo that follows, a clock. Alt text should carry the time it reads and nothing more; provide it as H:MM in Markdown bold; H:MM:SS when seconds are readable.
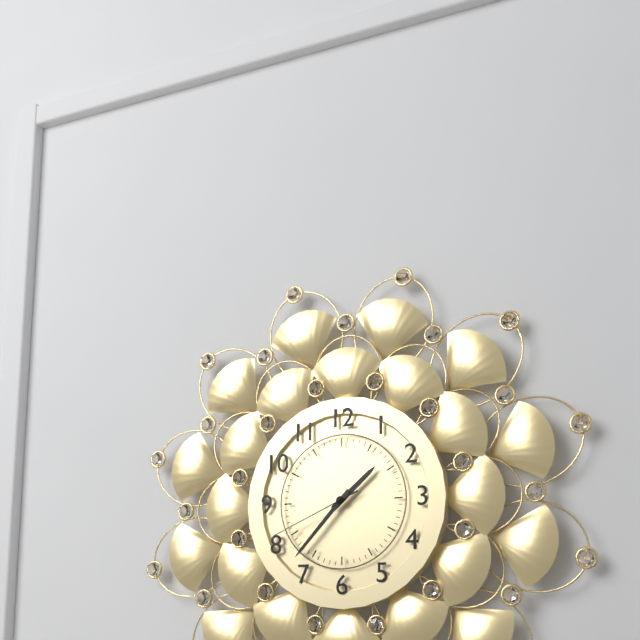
**1:37:41**
